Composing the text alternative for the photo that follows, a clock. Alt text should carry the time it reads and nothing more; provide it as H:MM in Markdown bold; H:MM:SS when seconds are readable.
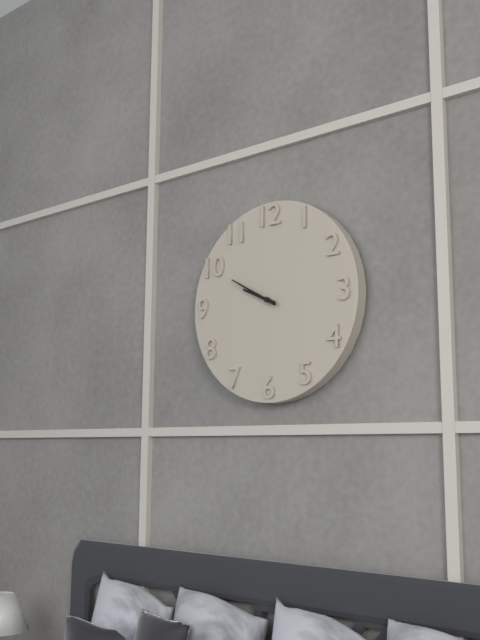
**9:50**
